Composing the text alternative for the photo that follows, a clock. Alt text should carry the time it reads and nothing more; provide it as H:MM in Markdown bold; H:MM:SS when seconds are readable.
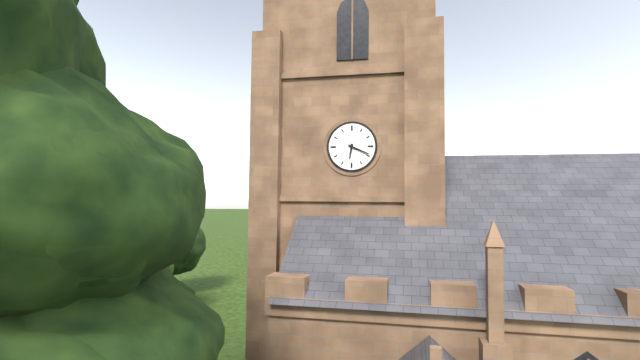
**6:19**
